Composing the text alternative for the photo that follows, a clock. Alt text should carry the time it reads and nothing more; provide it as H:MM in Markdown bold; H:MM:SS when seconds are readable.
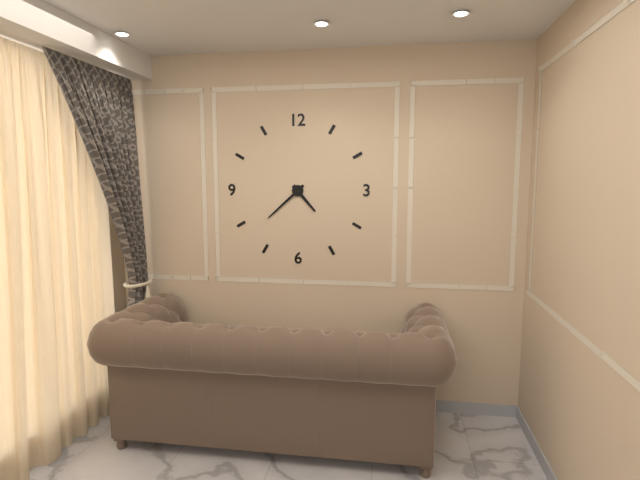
**4:38**
